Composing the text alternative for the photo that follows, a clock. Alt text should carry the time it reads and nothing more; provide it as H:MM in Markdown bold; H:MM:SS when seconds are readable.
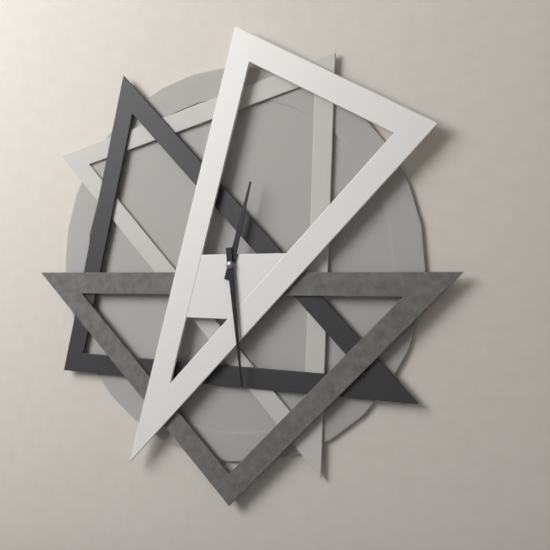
**12:29**
